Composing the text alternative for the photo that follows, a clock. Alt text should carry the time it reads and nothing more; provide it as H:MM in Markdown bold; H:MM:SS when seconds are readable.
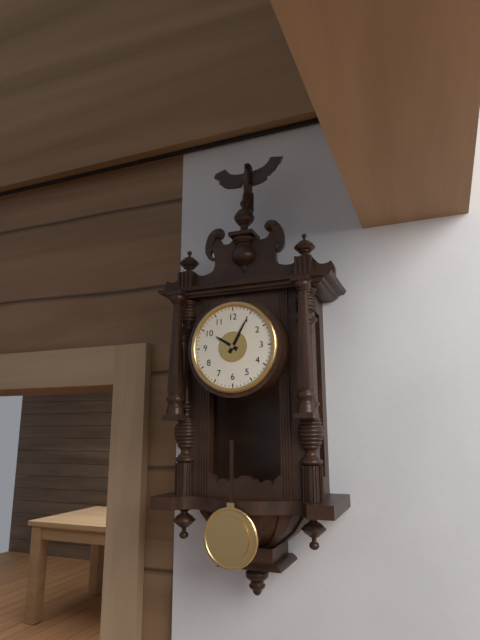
**10:05**
